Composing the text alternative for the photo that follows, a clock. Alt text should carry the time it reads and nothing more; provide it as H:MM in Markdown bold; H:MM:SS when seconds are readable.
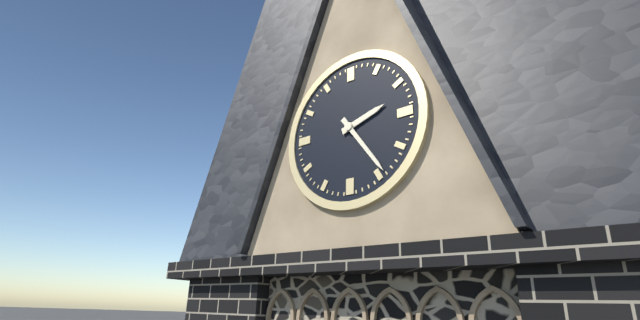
**2:24**
